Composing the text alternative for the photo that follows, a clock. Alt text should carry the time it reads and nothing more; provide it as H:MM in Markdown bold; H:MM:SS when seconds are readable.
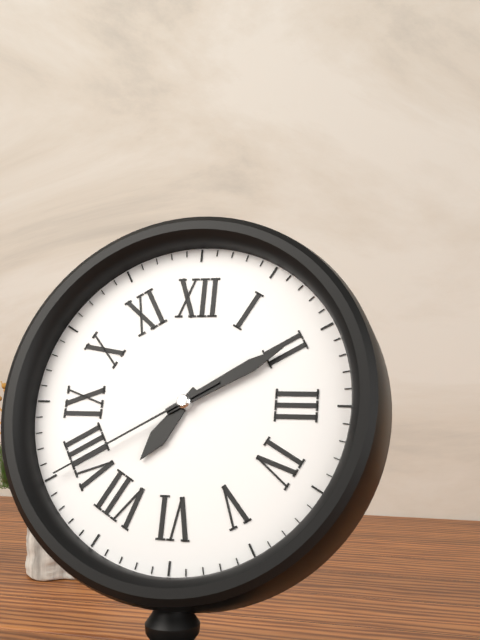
**7:10:40**
